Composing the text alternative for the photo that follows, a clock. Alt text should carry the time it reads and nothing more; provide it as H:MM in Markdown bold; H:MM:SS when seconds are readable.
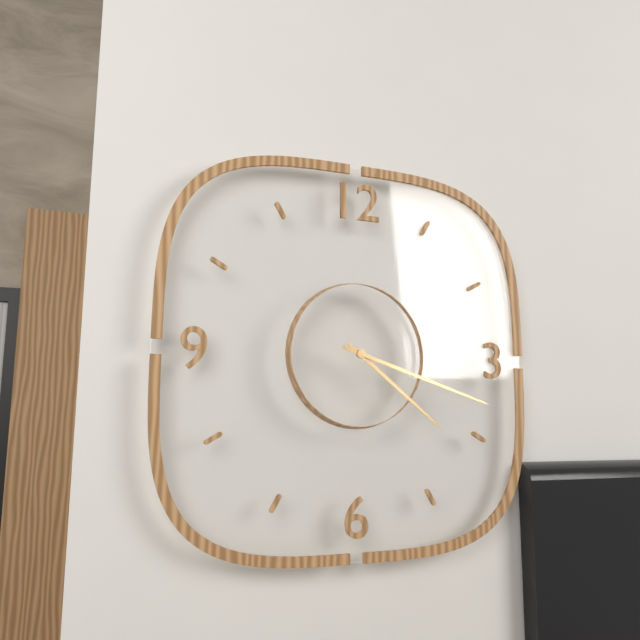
**4:18**
